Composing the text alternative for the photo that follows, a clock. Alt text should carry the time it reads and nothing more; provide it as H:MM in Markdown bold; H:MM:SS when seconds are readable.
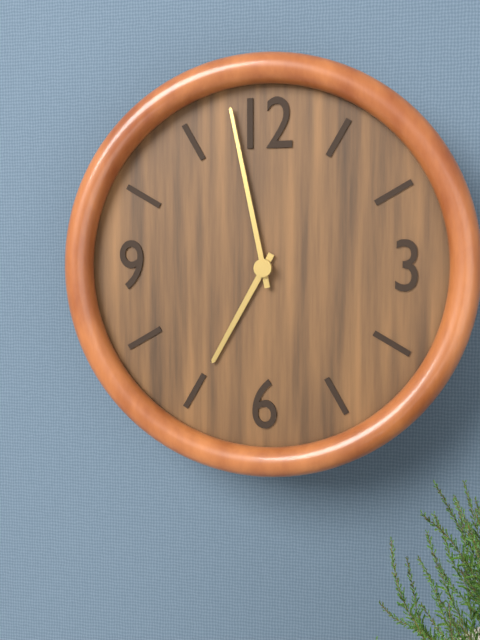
**6:58**
